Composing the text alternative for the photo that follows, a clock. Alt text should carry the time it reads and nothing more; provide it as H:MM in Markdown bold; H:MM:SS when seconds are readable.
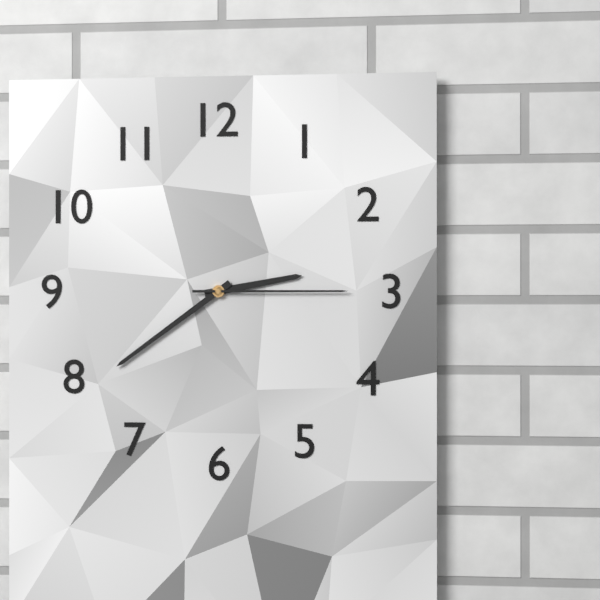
**2:39:15**
